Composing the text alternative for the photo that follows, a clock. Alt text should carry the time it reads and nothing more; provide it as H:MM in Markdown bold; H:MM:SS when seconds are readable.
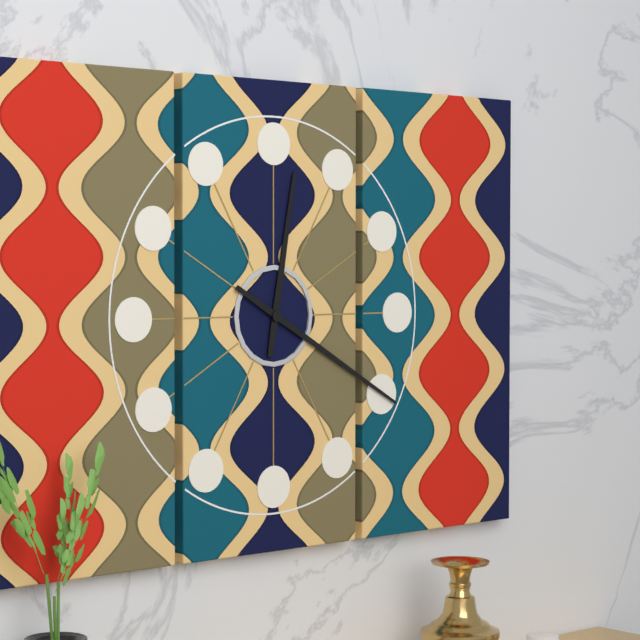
**12:20**
